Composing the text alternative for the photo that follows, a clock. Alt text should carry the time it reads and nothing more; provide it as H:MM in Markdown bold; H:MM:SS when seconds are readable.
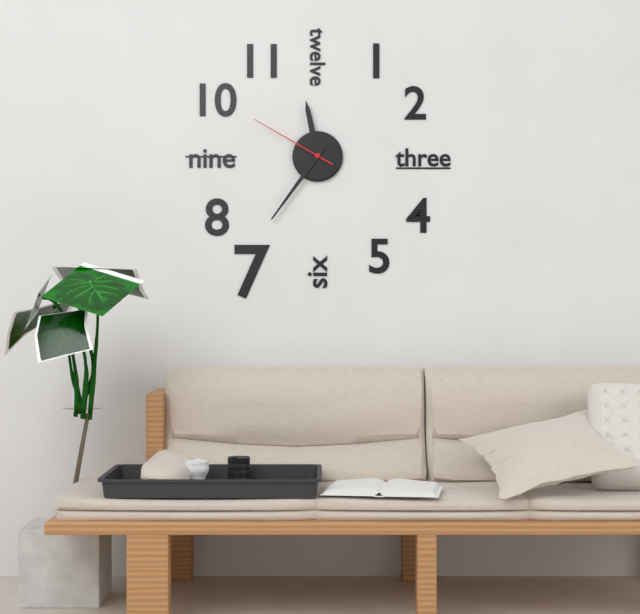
**11:36:50**
